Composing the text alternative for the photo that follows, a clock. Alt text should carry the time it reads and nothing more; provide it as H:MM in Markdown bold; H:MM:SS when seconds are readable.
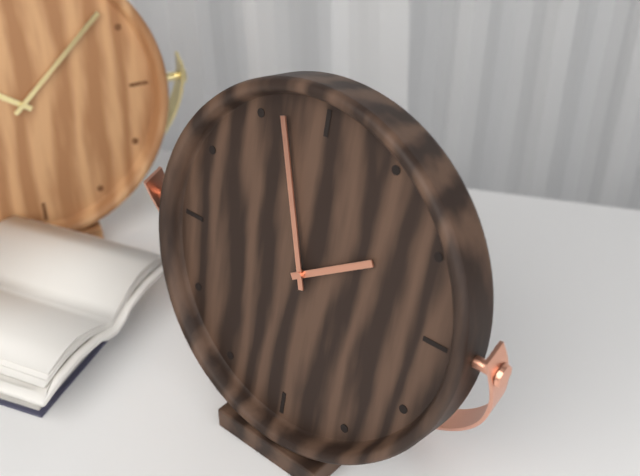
**1:57**
